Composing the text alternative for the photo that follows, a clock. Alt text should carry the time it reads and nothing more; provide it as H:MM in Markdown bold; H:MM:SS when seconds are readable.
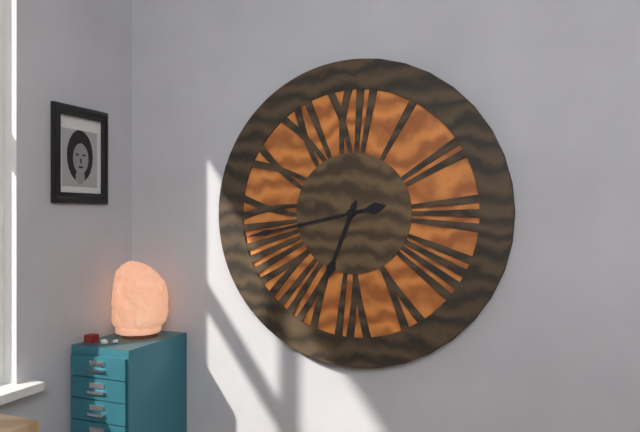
**6:43**
